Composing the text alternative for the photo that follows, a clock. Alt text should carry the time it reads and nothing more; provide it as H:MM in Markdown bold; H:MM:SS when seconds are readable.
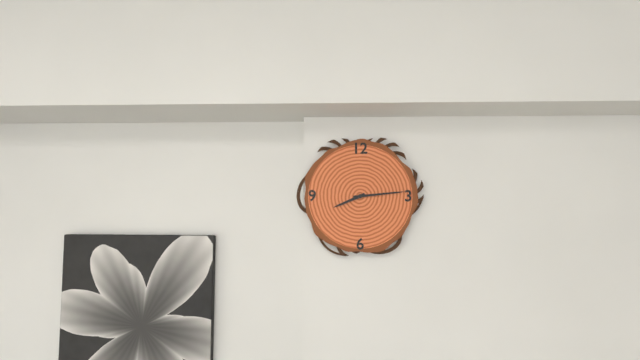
**8:14**
